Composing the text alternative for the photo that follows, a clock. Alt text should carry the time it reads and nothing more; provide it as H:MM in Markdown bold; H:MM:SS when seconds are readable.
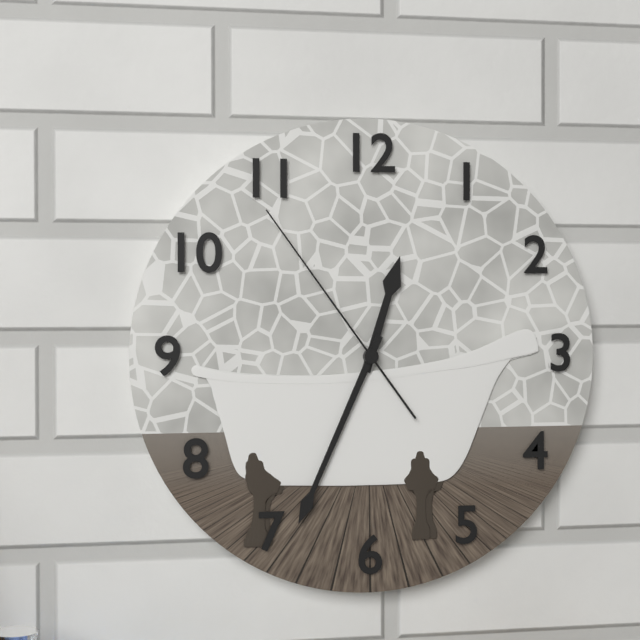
**12:34:54**
